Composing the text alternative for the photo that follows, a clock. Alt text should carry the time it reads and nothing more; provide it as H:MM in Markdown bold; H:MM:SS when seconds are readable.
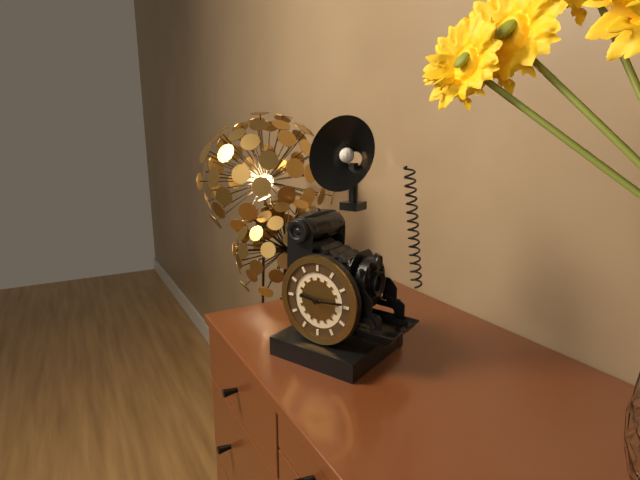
**9:14**
